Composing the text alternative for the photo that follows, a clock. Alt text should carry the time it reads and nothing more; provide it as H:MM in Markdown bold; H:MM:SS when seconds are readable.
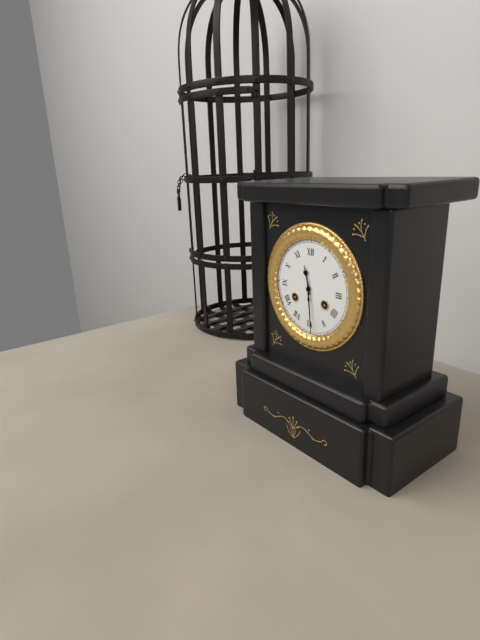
**11:29**
